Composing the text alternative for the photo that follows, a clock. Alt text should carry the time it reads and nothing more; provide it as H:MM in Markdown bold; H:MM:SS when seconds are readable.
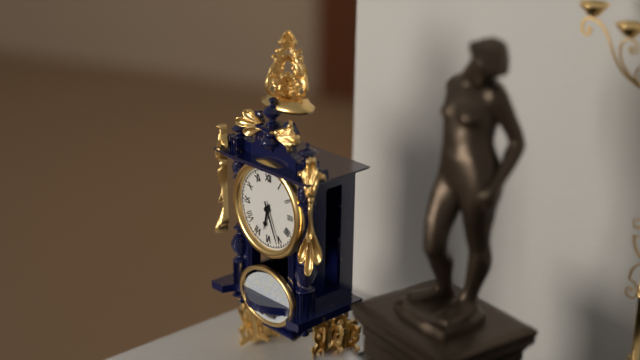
**6:26**
